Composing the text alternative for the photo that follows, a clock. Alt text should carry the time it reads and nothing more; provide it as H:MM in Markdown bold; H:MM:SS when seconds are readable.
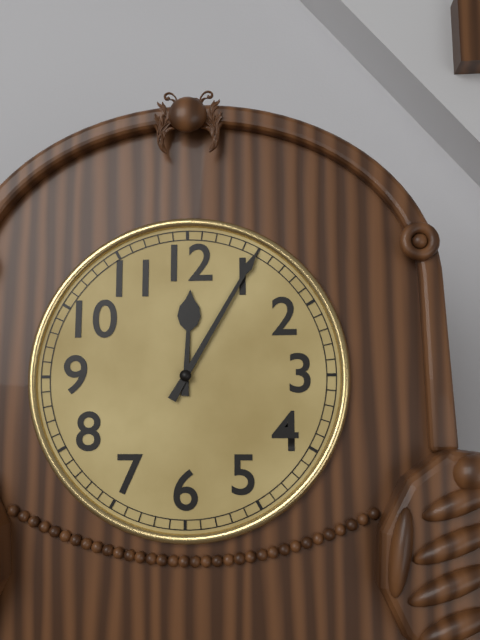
**12:05**
